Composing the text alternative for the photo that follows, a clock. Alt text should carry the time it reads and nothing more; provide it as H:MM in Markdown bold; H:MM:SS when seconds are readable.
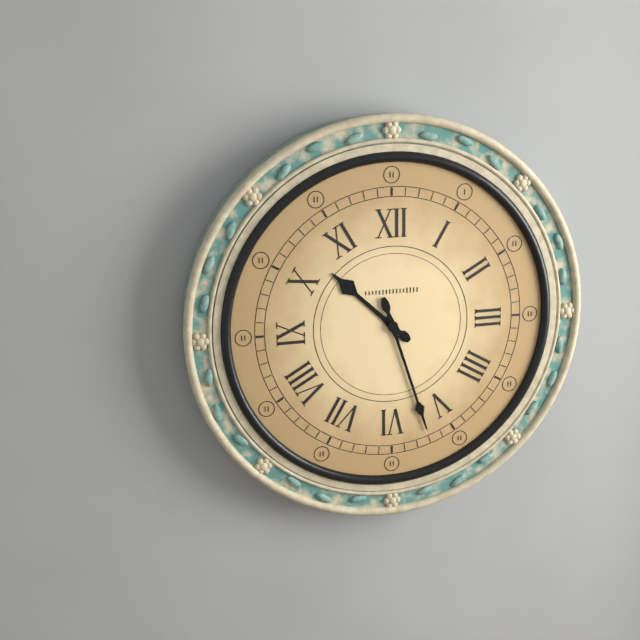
**10:27**
